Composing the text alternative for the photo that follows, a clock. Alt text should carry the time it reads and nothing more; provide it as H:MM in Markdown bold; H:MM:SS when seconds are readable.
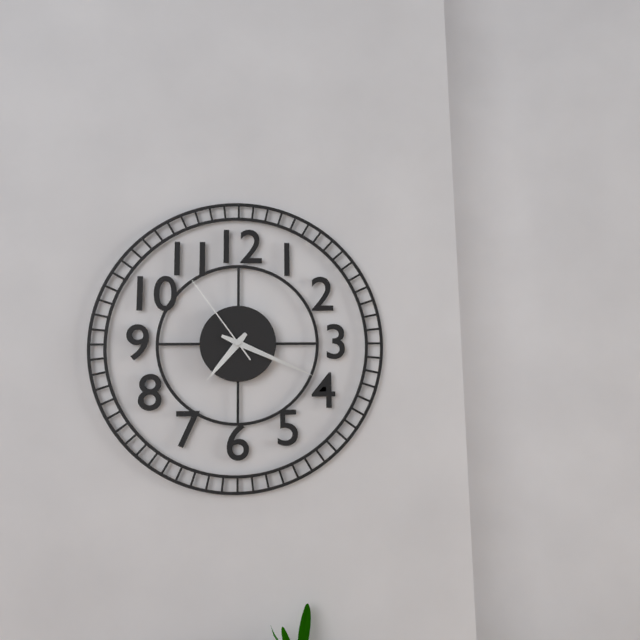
**7:19:54**
